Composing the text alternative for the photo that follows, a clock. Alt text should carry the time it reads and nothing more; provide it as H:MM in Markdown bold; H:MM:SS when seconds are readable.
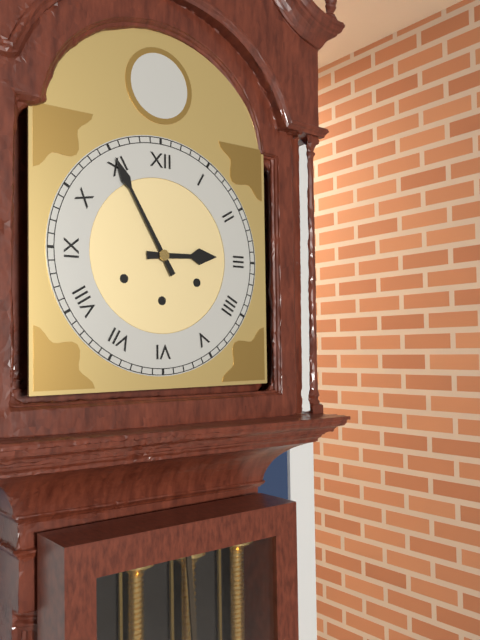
**2:55**
